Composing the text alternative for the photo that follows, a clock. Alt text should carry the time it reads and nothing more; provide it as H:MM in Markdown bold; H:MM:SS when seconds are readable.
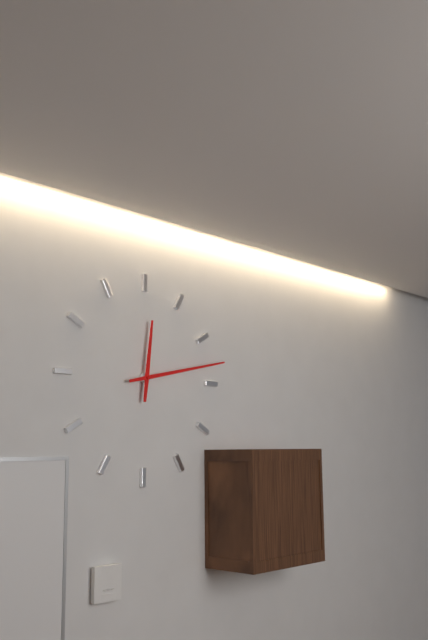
**12:13**
